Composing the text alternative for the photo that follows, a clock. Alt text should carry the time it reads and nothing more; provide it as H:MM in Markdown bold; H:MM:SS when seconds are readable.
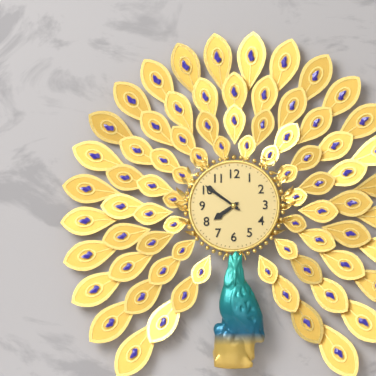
**7:51**
